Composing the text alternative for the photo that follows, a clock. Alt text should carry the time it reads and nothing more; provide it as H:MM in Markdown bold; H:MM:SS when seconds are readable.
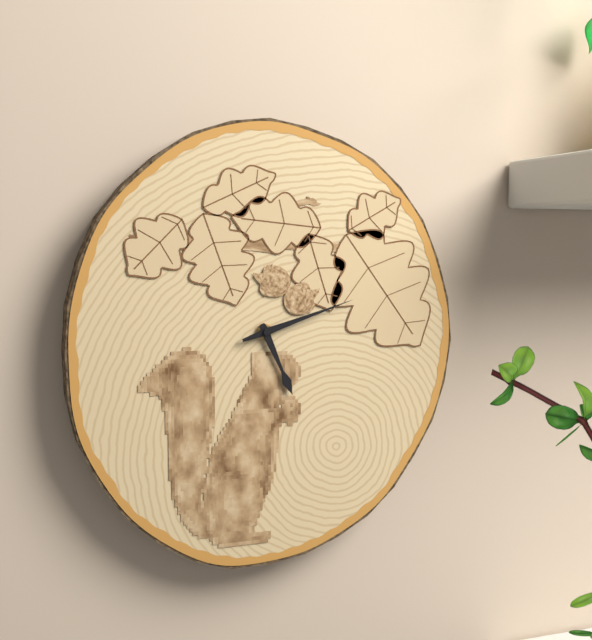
**5:12**
